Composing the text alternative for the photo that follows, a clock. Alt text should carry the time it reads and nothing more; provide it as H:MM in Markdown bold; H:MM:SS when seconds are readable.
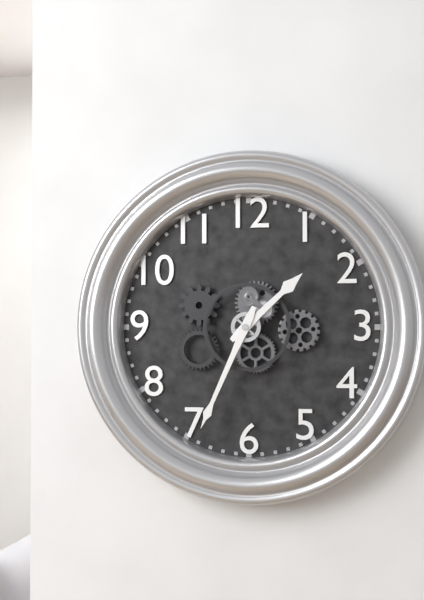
**1:34**
